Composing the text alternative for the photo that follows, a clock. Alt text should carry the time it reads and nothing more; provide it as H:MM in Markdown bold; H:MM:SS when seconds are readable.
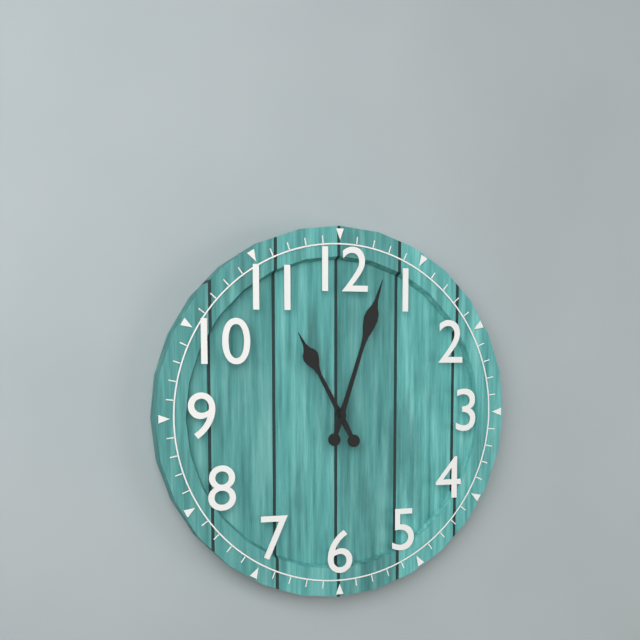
**11:03**
